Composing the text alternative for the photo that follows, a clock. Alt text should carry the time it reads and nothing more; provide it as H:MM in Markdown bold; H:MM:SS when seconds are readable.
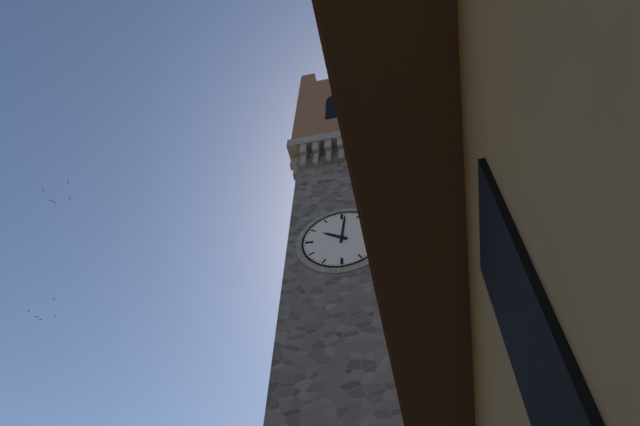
**10:01**
